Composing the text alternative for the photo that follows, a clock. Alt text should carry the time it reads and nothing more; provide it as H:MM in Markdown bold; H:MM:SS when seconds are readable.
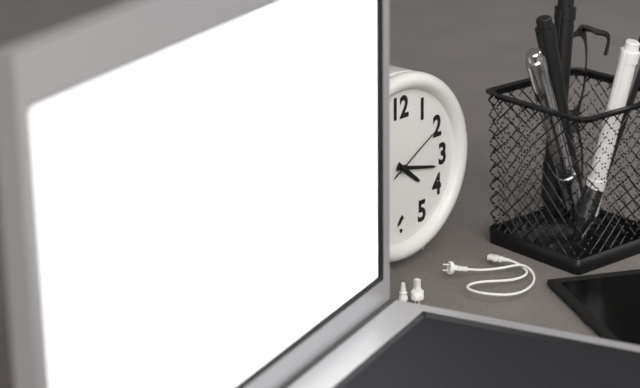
**4:17:10**
